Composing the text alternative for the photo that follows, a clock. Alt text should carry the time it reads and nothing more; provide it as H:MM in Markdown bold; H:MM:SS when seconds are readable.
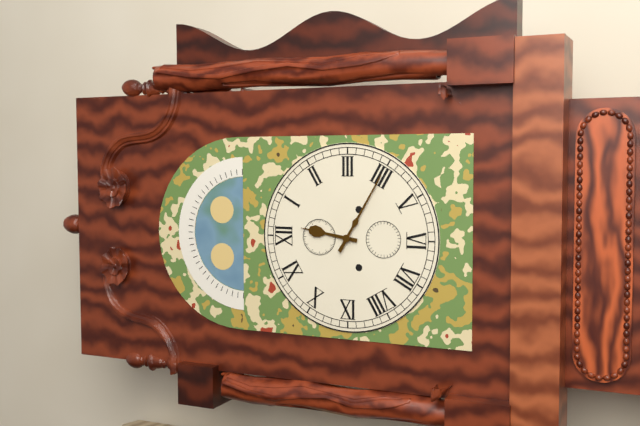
**12:20**
